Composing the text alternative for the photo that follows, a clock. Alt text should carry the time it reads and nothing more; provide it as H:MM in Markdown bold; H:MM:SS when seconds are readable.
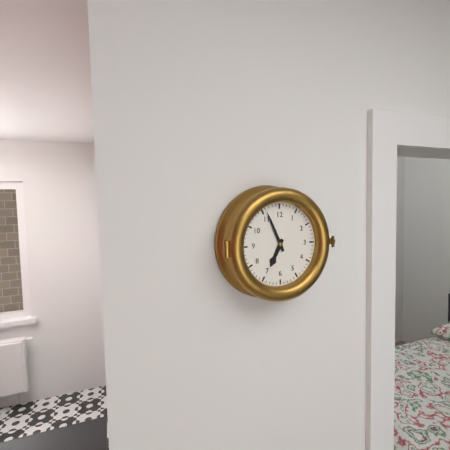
**6:56**
